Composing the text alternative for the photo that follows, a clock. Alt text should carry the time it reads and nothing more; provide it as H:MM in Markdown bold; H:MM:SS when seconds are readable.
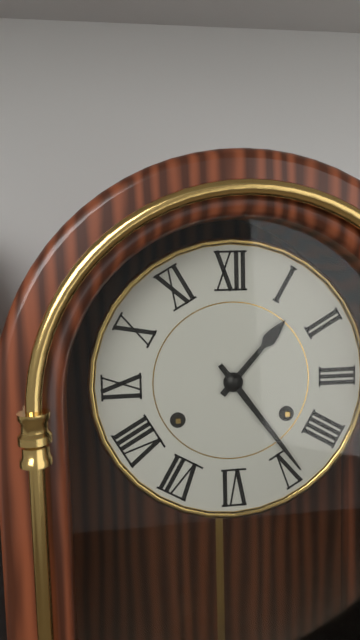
**1:24**
